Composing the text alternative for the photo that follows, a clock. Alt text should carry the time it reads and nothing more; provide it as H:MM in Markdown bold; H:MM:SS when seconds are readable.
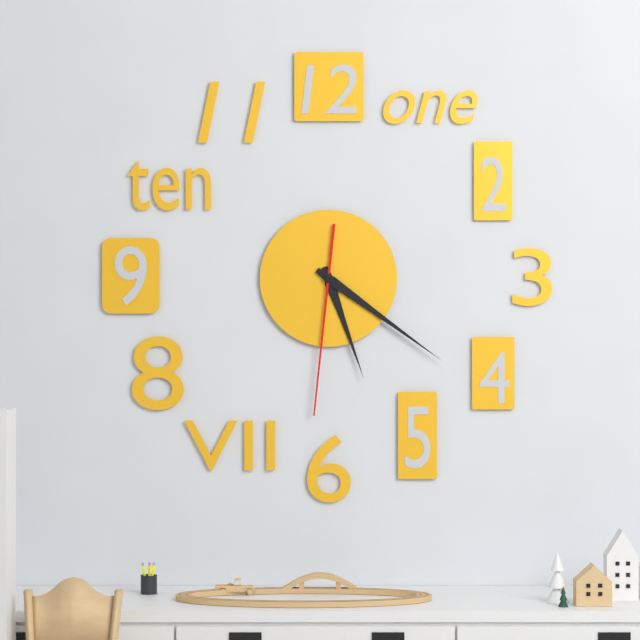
**5:21:31**
